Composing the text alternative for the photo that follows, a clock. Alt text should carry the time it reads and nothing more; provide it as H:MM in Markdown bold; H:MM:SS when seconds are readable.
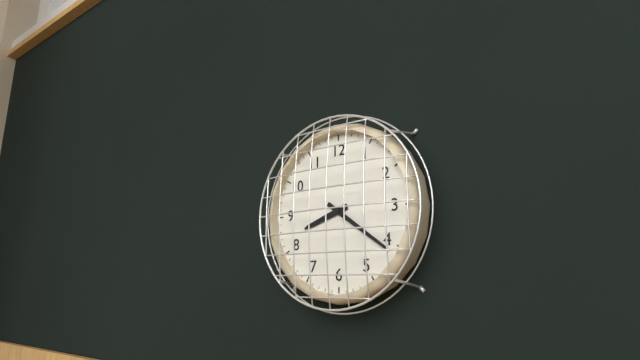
**8:21**
